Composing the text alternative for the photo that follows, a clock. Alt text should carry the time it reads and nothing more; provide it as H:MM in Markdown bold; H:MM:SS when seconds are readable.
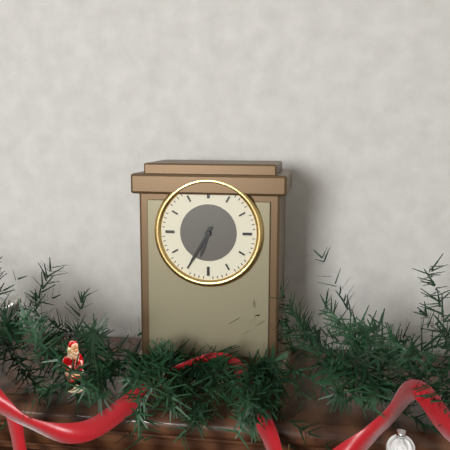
**6:35**
